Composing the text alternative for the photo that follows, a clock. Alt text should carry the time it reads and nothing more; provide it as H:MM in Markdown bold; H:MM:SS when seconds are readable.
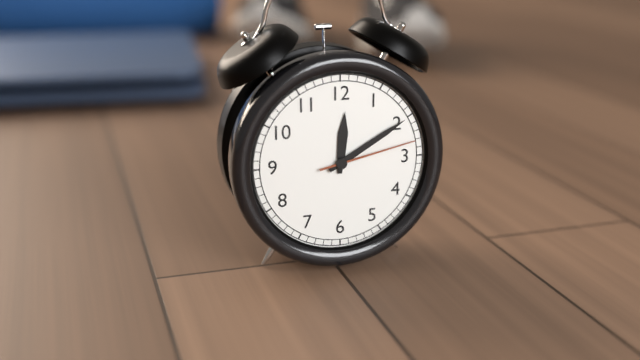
**12:10:13**
